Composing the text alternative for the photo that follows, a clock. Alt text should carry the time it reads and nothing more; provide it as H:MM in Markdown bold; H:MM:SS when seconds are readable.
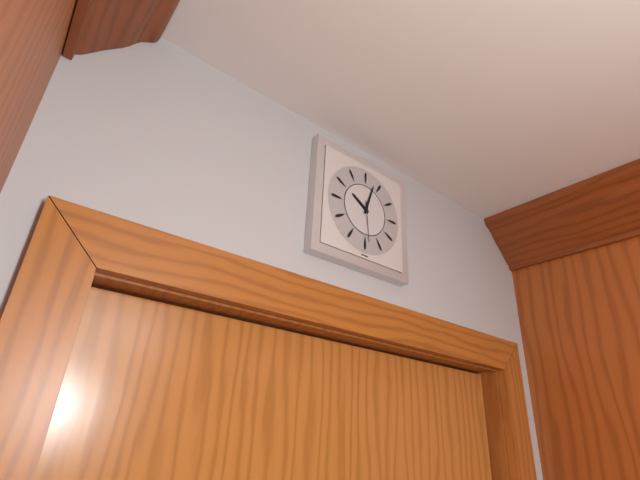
**10:03**
